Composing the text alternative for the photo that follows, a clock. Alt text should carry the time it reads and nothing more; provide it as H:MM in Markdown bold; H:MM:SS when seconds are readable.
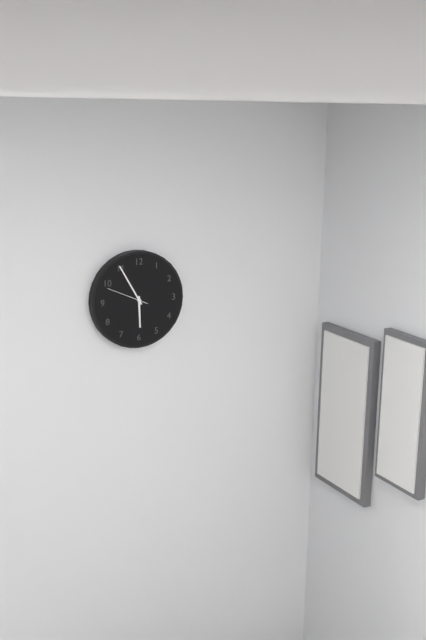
**5:55**
